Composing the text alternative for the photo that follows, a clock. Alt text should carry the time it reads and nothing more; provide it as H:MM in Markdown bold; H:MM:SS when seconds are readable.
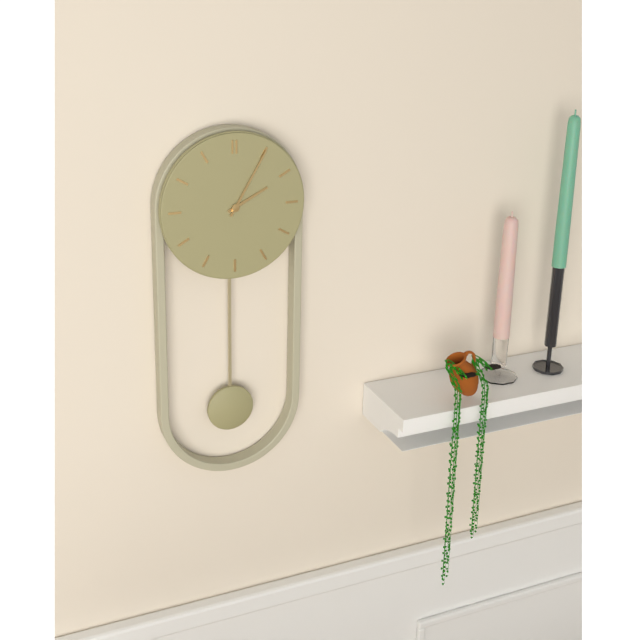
**2:05**
